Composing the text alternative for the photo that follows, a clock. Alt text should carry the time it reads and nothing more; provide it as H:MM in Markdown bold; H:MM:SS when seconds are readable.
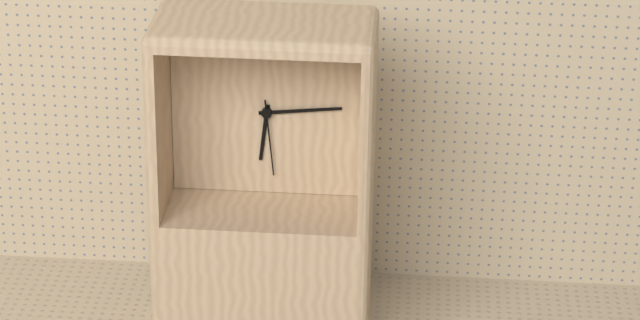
**6:14:29**
